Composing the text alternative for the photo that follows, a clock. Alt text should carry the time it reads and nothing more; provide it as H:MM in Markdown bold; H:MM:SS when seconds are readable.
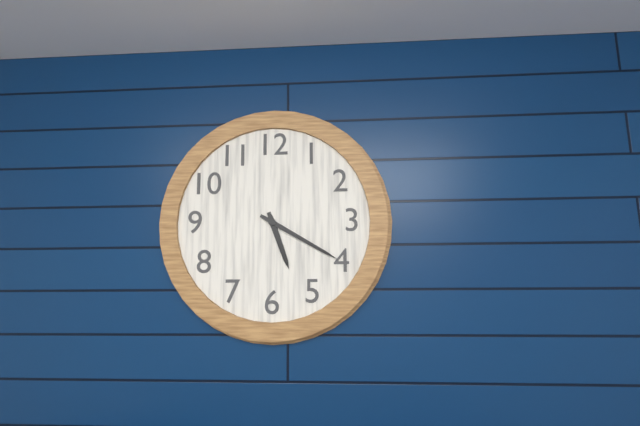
**5:20**
